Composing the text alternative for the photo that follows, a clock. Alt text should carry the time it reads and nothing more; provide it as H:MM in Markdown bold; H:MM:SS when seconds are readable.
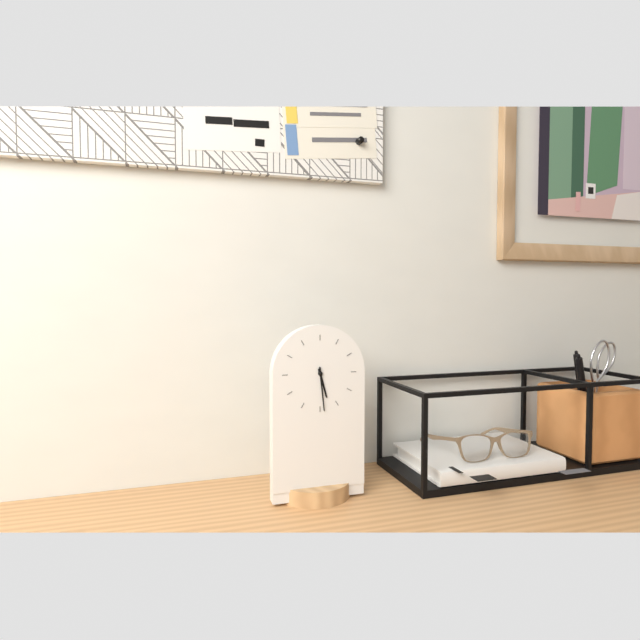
**5:29**
